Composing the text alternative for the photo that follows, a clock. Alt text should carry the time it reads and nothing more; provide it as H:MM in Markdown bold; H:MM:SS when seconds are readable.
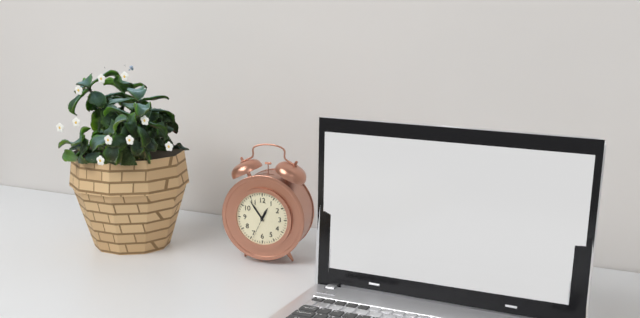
**12:54**
